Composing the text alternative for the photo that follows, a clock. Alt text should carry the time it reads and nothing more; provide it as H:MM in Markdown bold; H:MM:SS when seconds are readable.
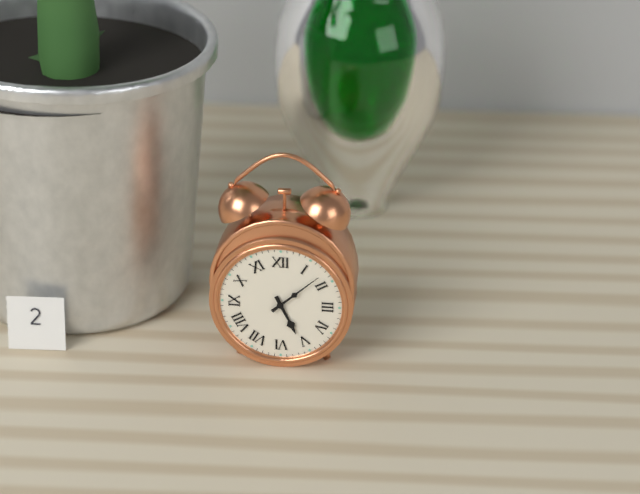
**5:08**
